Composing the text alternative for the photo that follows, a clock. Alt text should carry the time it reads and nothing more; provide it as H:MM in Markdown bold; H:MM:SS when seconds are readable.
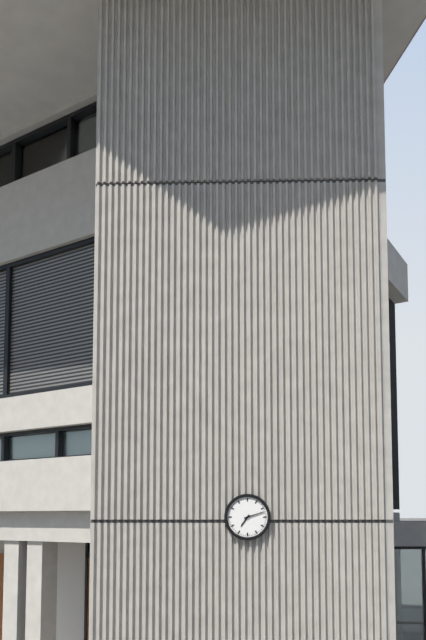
**7:12**
